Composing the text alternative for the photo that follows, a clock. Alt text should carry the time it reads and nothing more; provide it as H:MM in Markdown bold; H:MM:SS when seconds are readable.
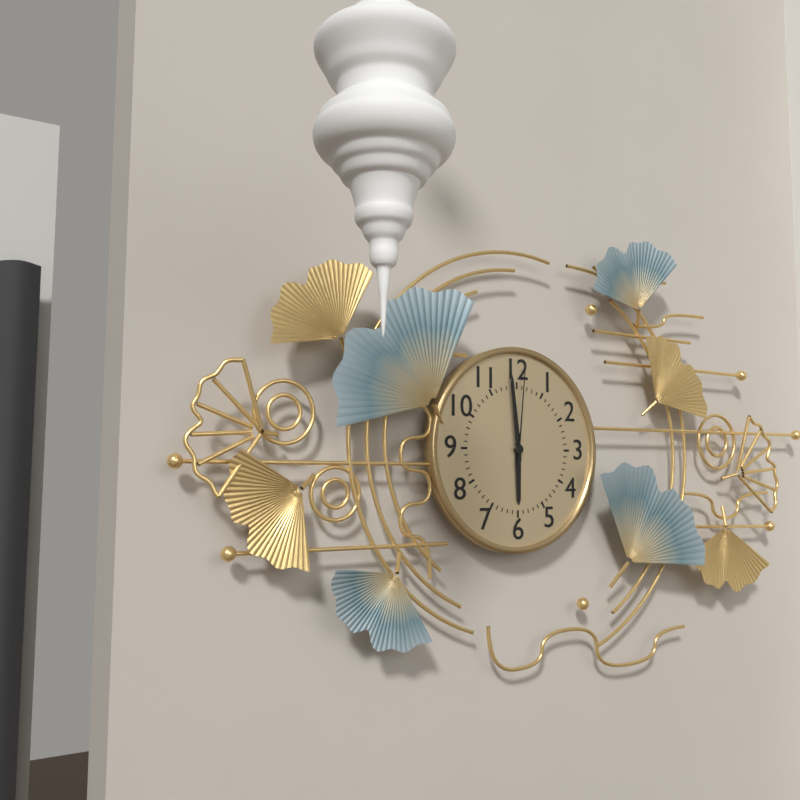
**5:59:01**
